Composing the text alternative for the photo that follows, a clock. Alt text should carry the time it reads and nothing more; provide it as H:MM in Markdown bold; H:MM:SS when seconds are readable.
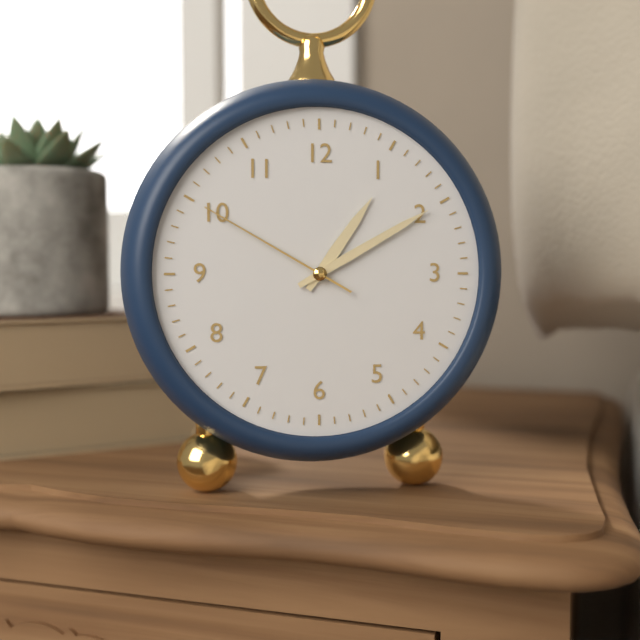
**1:10:50**
